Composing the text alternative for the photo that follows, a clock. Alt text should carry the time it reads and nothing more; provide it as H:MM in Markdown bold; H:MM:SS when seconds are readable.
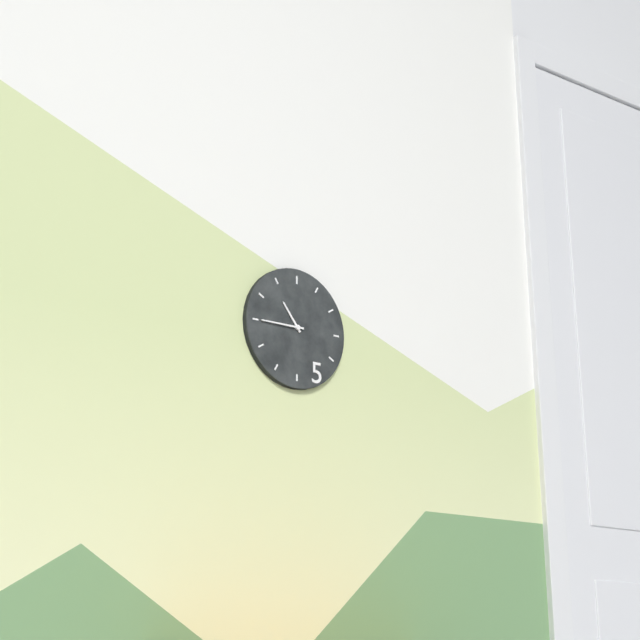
**10:45**
